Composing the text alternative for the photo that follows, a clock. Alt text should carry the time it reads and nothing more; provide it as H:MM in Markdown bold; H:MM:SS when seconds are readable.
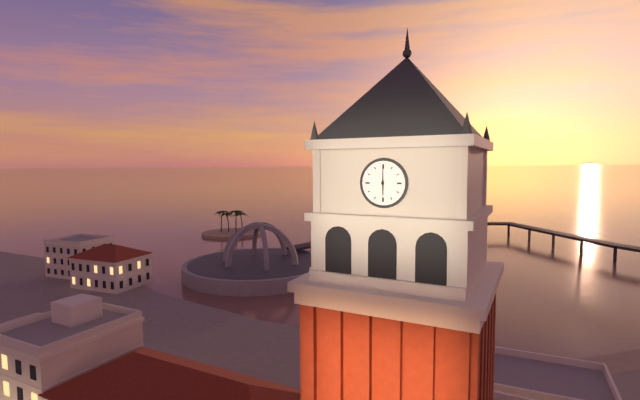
**6:00**
